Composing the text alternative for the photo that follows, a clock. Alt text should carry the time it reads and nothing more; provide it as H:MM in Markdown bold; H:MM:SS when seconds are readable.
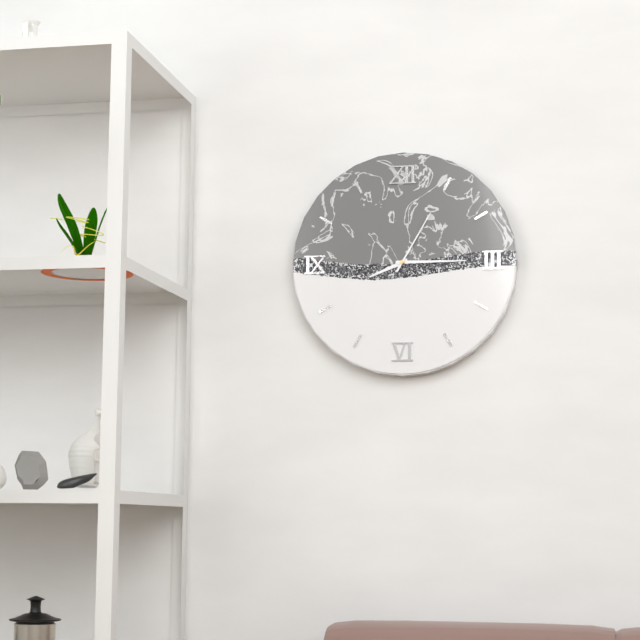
**8:15:05**
